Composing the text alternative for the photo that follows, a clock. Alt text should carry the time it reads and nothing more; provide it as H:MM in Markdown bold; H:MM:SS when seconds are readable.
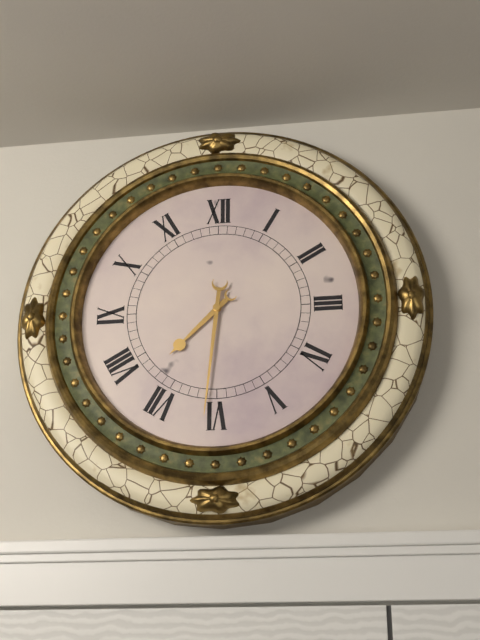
**7:31**
